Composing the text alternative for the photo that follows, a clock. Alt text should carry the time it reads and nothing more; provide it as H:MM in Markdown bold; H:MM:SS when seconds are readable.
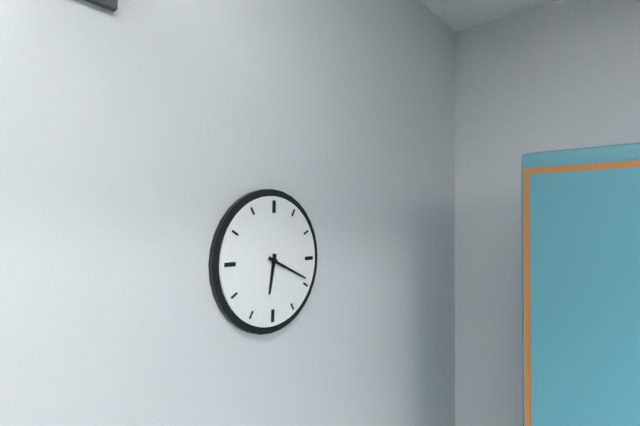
**6:19**
